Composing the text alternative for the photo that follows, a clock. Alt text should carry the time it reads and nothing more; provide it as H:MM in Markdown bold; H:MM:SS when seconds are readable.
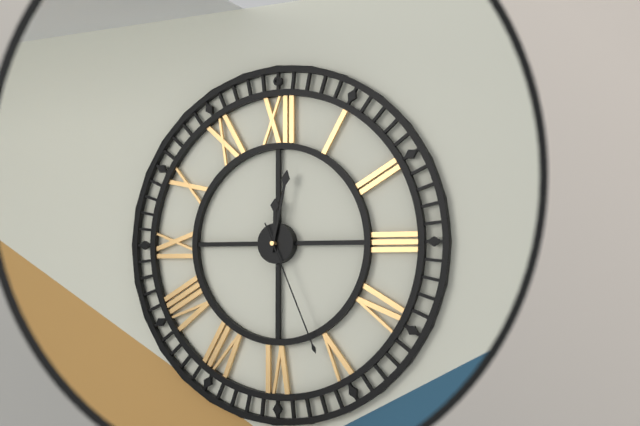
**12:02:26**
